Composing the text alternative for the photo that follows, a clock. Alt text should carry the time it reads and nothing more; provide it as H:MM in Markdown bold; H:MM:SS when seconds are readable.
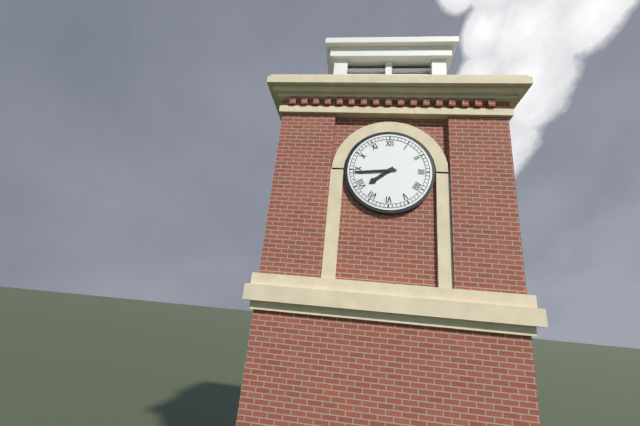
**7:44**
